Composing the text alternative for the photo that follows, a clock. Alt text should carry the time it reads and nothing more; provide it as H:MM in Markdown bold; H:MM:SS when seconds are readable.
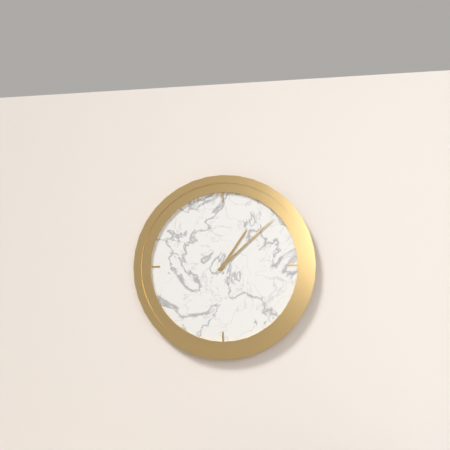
**1:08**
